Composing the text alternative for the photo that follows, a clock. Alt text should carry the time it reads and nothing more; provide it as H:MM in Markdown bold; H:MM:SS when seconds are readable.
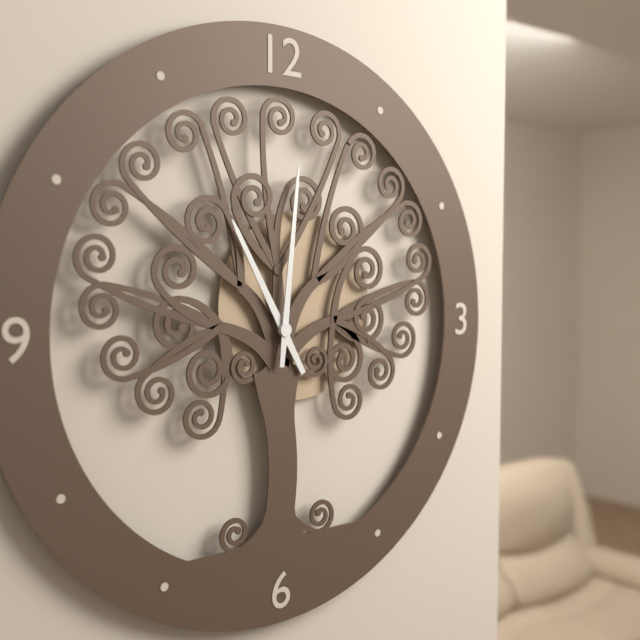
**11:01**
